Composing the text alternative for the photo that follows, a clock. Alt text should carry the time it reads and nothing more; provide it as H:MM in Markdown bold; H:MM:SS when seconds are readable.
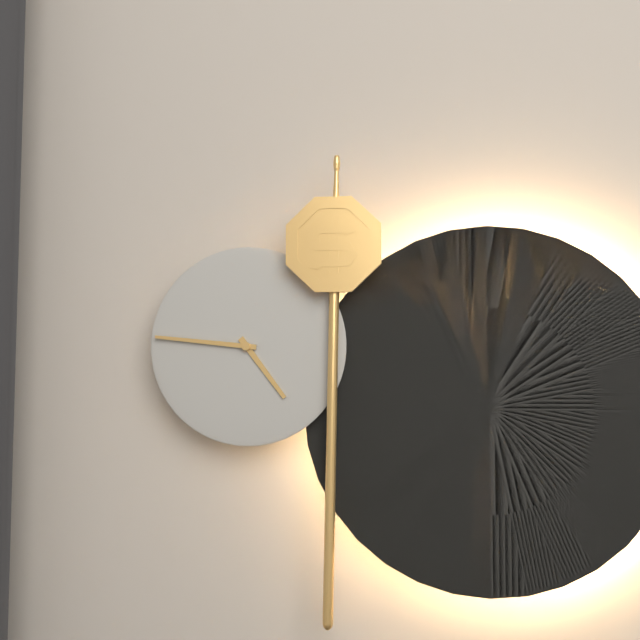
**4:46**
